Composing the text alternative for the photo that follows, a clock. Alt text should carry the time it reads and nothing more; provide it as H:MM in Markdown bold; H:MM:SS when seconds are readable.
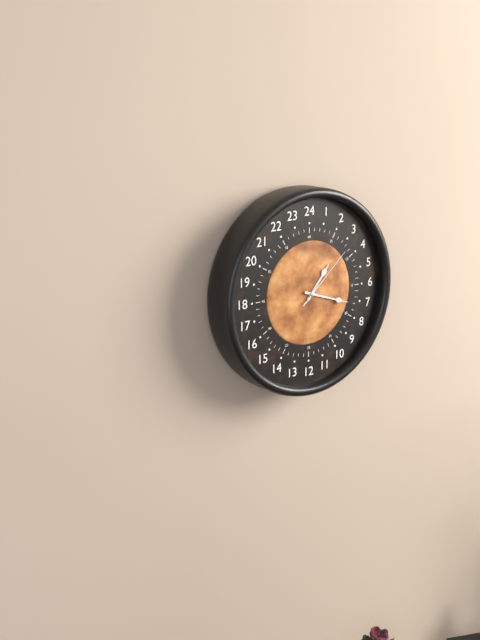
**1:18:08**
